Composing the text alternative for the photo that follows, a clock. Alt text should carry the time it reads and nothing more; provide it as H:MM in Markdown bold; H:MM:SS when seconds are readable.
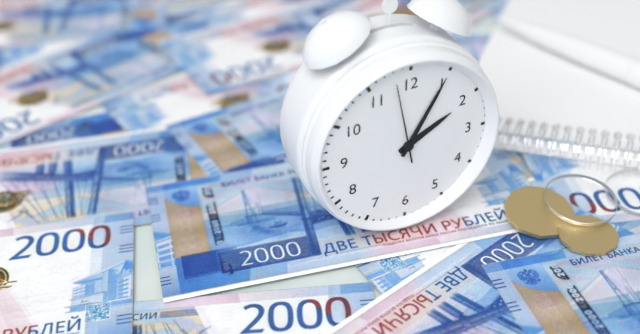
**2:05:58**
